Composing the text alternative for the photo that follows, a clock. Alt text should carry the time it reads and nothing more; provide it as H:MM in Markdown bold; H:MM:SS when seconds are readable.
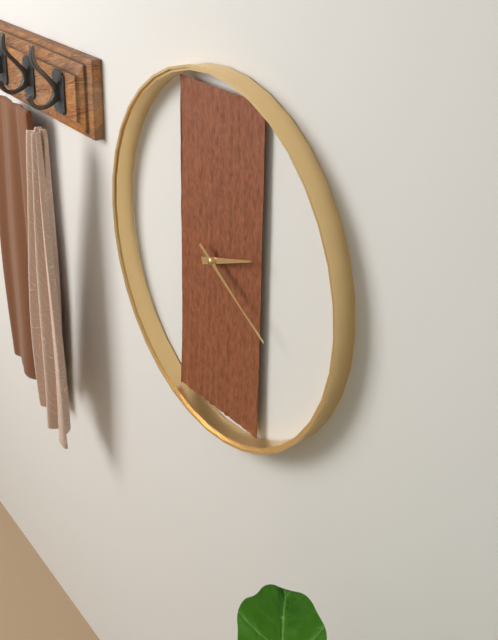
**2:20**
